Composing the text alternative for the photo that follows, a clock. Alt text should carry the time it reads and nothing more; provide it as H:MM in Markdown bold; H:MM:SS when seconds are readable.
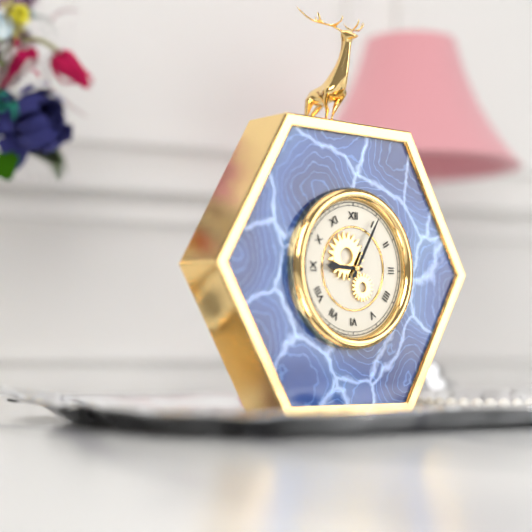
**9:05**
